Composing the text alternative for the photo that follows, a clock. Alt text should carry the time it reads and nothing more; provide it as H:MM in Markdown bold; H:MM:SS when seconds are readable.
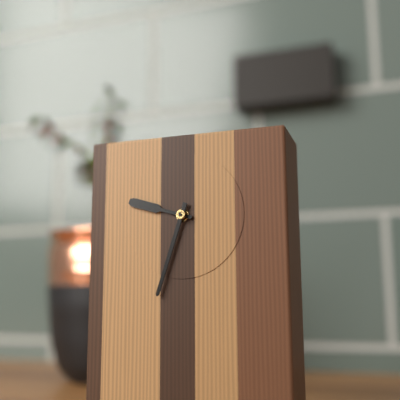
**9:33**
